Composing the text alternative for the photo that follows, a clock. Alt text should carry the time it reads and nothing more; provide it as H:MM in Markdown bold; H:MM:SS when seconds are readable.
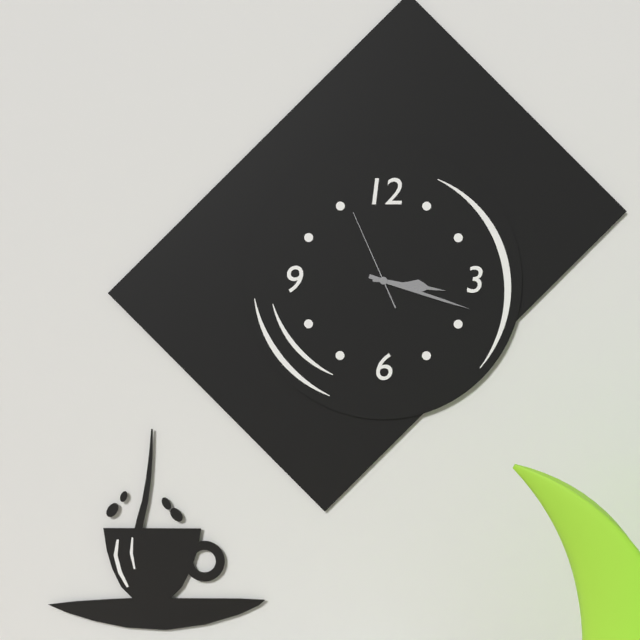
**3:18:56**
